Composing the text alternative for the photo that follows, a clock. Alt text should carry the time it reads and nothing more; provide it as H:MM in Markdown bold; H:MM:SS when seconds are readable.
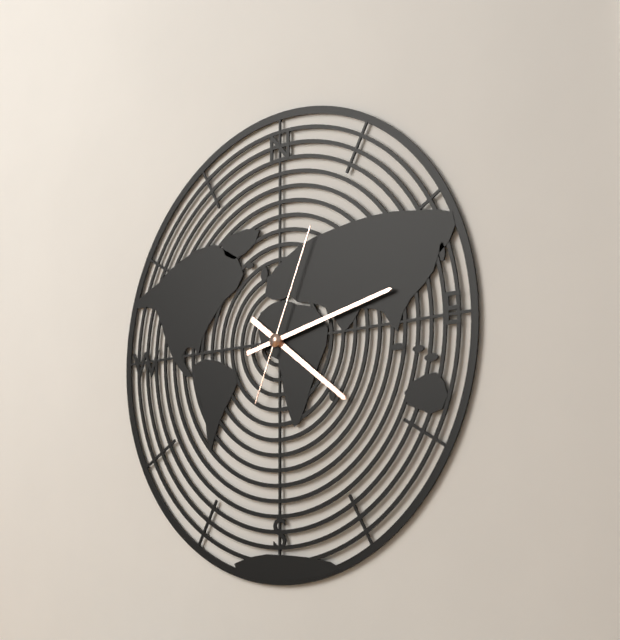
**4:13:04**
